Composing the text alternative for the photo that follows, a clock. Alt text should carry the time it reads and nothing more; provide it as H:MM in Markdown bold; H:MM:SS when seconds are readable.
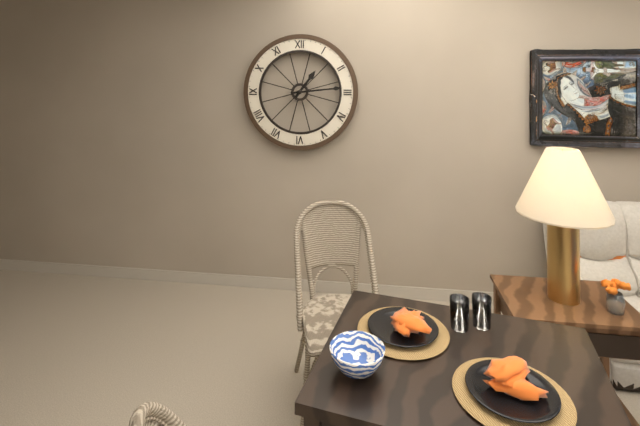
**1:14**
